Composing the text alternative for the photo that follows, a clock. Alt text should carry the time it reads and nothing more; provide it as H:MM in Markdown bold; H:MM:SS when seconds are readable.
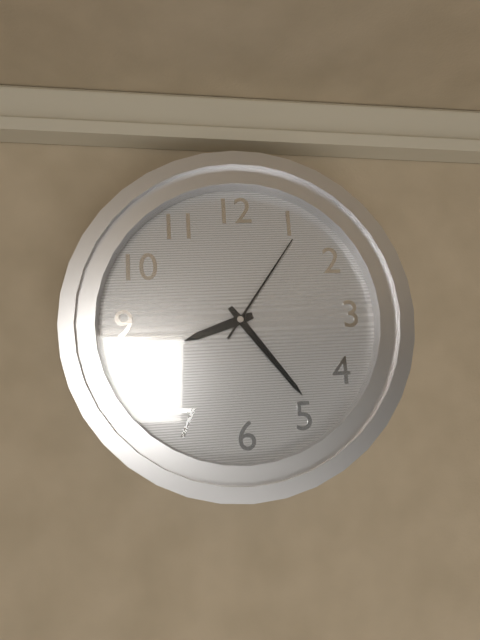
**8:24:06**
